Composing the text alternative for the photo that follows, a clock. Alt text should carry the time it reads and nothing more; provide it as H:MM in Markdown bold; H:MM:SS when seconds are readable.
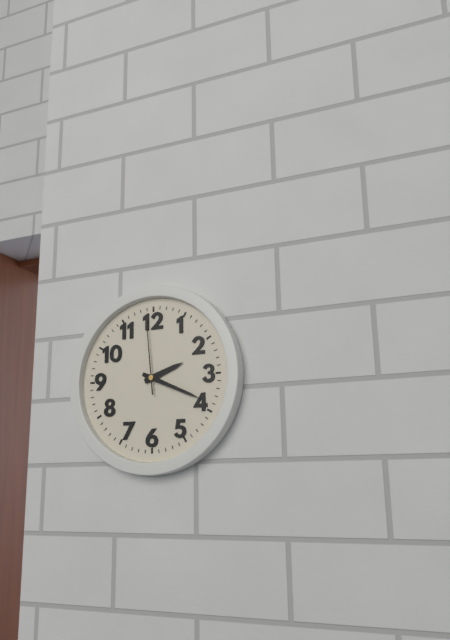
**2:19:59**
